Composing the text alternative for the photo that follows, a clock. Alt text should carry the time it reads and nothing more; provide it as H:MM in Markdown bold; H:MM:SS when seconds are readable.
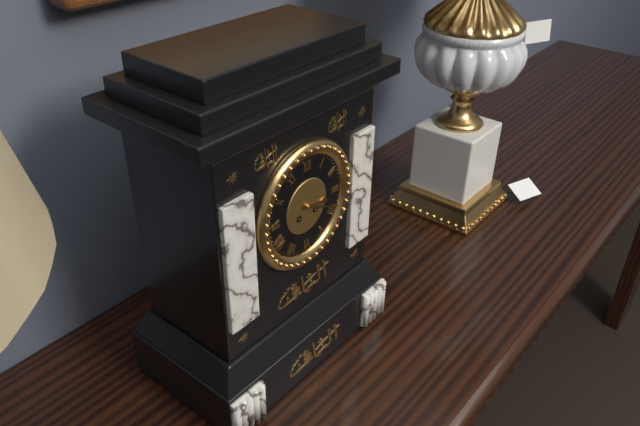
**3:19**
